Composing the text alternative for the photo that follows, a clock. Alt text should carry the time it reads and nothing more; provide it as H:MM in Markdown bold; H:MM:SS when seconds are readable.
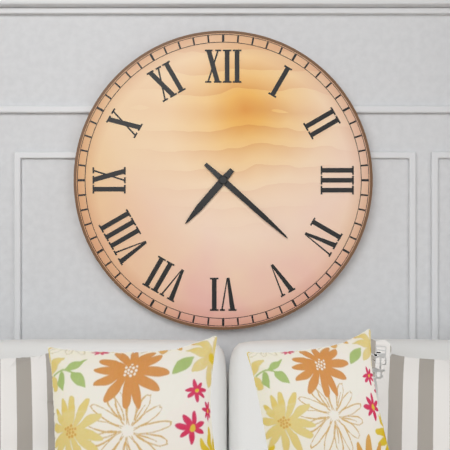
**7:22**
